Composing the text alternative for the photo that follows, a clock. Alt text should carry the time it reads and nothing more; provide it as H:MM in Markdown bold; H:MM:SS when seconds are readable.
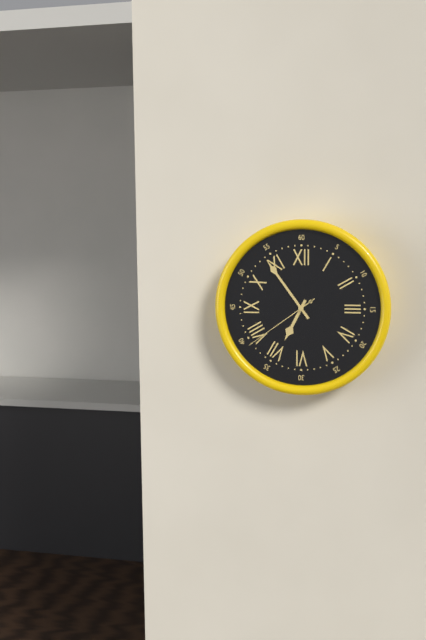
**6:54:39**
